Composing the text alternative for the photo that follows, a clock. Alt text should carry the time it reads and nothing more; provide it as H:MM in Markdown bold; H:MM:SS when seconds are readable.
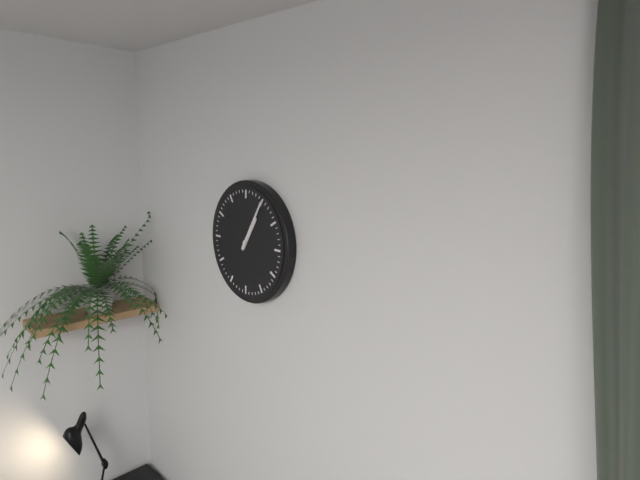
**1:05**
